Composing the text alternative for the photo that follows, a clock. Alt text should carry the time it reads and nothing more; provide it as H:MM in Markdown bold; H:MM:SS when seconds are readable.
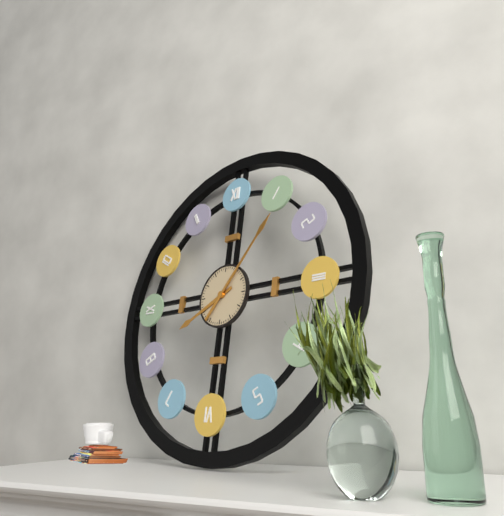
**8:06**
